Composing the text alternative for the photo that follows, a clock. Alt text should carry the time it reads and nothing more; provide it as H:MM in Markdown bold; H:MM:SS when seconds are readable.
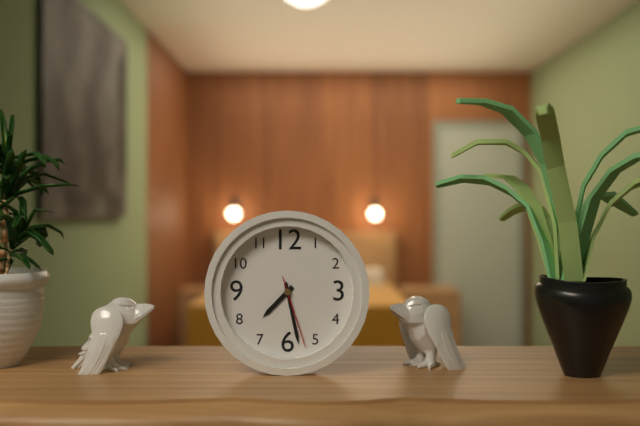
**7:28:27**
